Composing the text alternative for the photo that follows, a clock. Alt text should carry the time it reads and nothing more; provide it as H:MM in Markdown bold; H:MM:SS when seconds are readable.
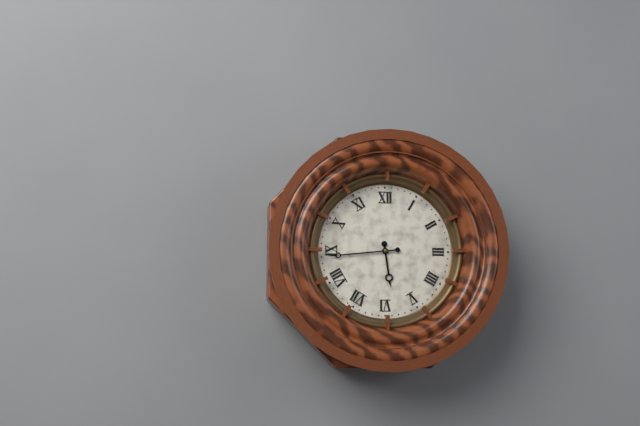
**5:44**
